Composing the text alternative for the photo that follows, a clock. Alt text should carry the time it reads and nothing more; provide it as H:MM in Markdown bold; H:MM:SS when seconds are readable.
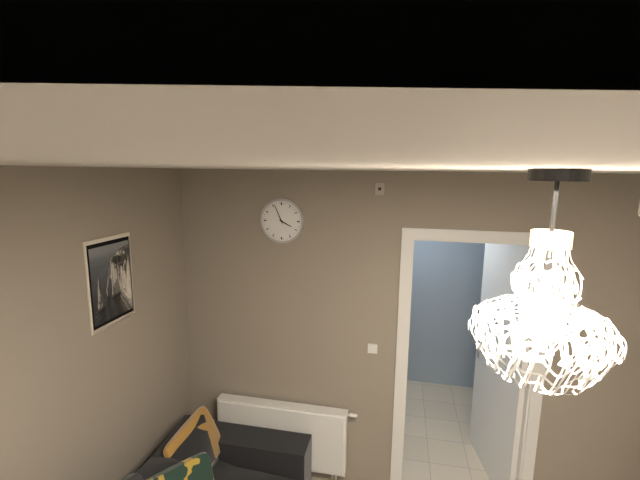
**3:56**
